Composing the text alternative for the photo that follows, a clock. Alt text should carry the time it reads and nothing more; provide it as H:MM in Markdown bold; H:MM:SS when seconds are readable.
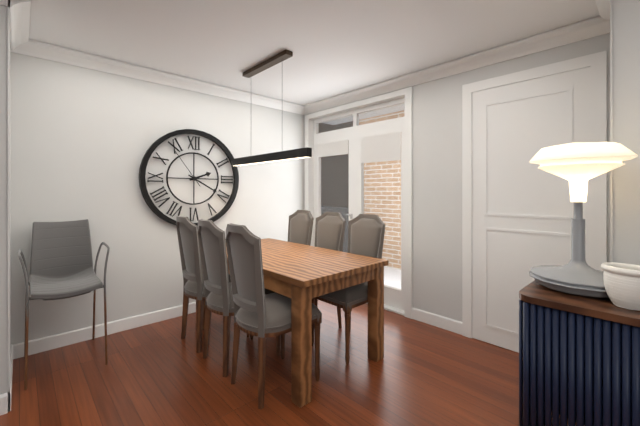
**2:20**
